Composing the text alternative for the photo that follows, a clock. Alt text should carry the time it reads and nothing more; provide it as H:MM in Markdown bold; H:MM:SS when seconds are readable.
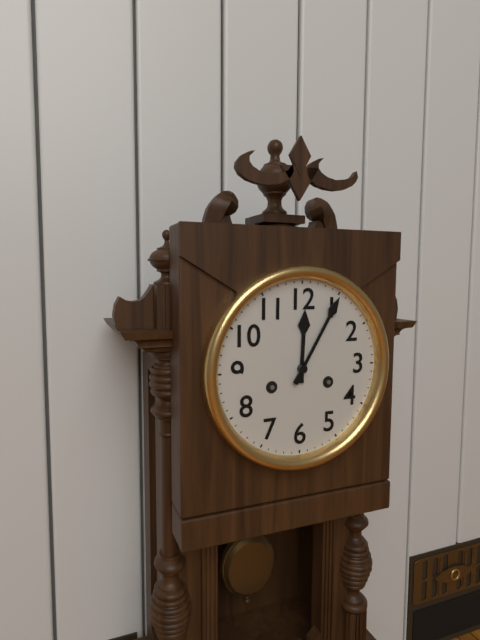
**12:05**
